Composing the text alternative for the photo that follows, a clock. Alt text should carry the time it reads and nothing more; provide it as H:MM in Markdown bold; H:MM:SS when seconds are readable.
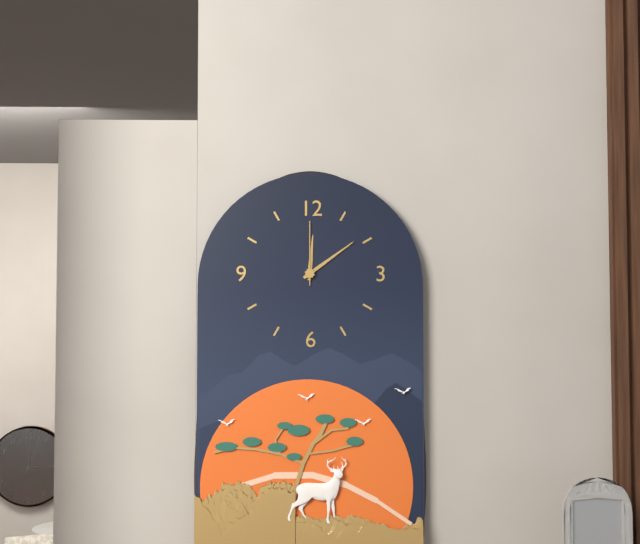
**12:09:00**
